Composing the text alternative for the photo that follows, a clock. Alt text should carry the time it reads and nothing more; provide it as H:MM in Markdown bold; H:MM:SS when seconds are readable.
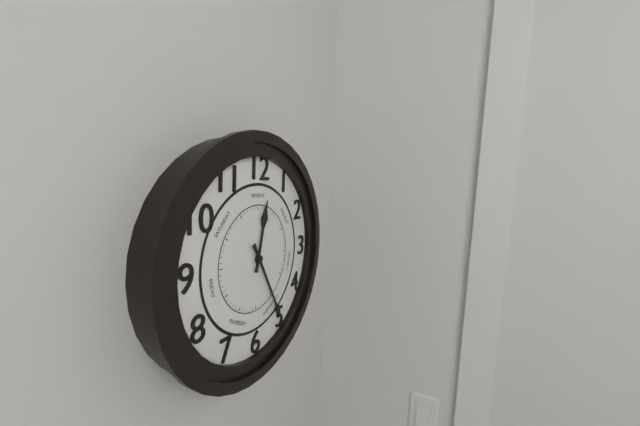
**12:25**
